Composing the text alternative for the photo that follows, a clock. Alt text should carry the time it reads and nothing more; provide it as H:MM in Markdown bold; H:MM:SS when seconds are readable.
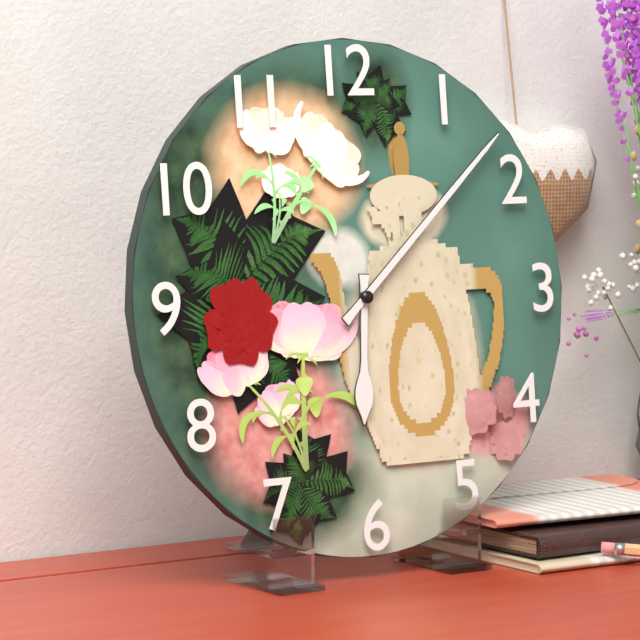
**6:08**
